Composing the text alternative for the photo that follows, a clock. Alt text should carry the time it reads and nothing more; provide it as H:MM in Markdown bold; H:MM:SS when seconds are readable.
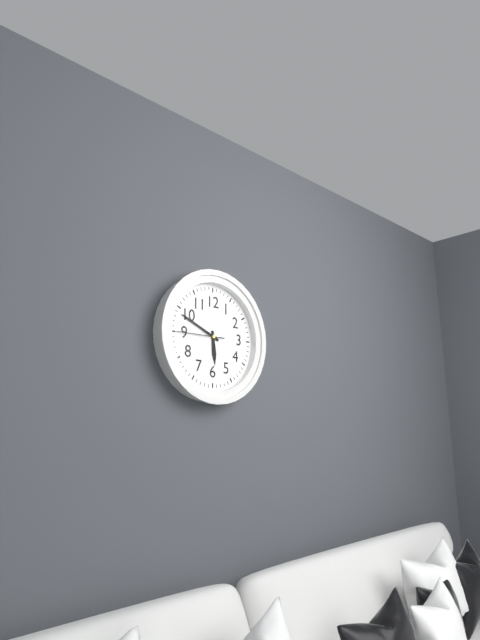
**5:49:45**
